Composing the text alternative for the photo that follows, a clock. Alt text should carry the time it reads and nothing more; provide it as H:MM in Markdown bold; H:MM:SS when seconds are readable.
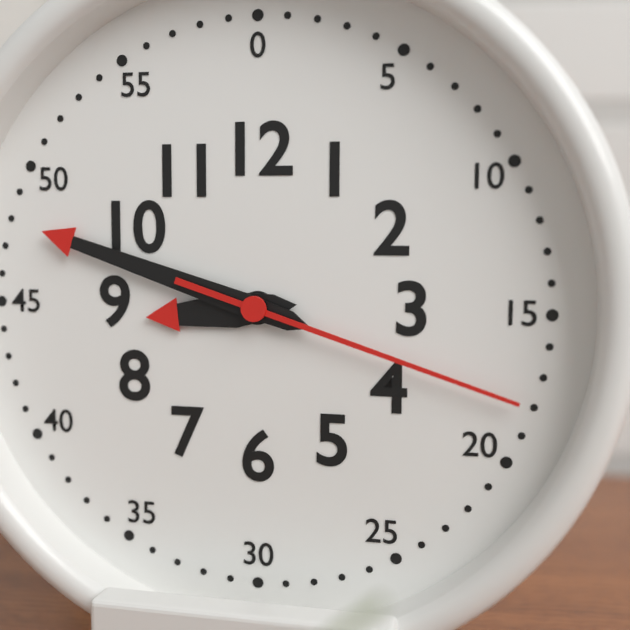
**8:48:18**
